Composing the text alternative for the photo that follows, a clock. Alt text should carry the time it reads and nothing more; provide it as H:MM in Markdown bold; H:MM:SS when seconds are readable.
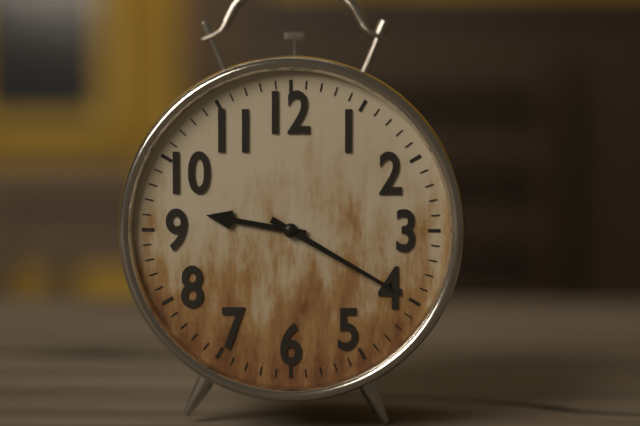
**9:20**
